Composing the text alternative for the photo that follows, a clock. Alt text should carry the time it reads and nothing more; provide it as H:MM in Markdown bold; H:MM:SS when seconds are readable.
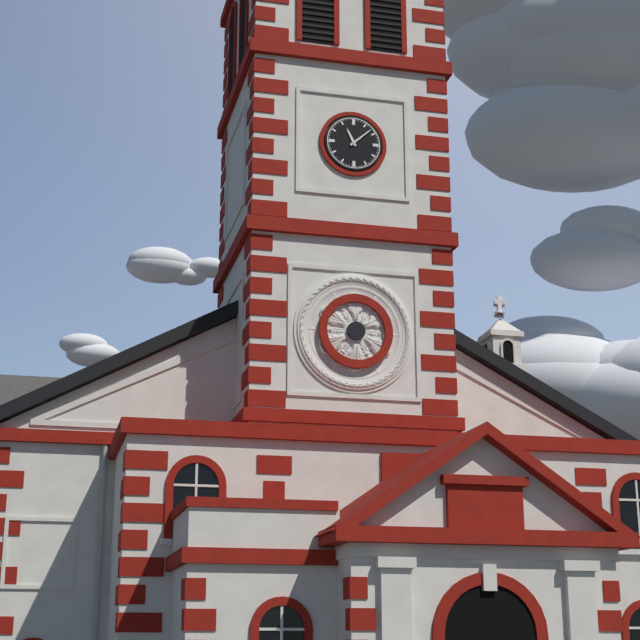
**11:08**
